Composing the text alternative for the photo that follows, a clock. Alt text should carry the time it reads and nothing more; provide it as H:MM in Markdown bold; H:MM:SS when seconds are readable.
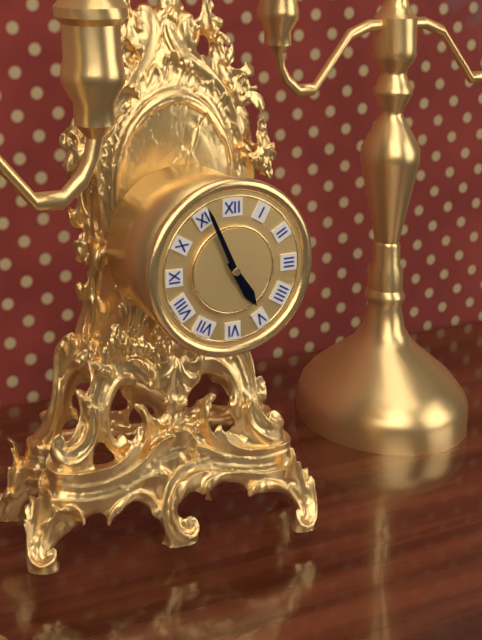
**4:56**
